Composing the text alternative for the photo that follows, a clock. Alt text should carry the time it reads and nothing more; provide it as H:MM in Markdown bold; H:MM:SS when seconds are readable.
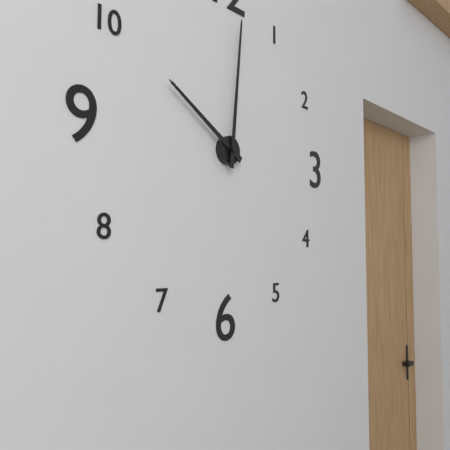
**10:01**
